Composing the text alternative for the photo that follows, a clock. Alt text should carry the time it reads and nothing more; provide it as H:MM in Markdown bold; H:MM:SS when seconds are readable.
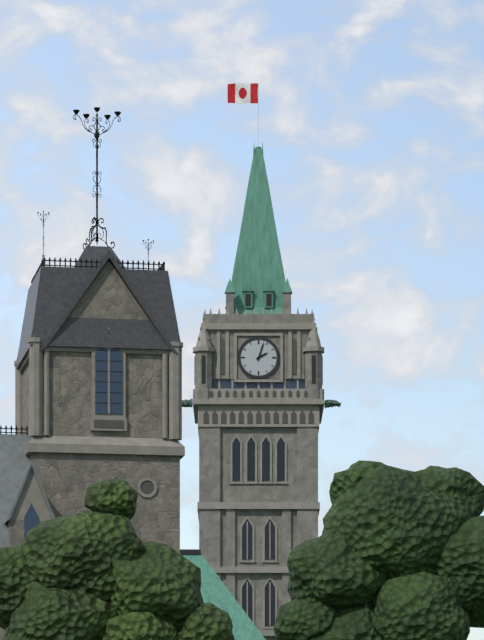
**2:03**
